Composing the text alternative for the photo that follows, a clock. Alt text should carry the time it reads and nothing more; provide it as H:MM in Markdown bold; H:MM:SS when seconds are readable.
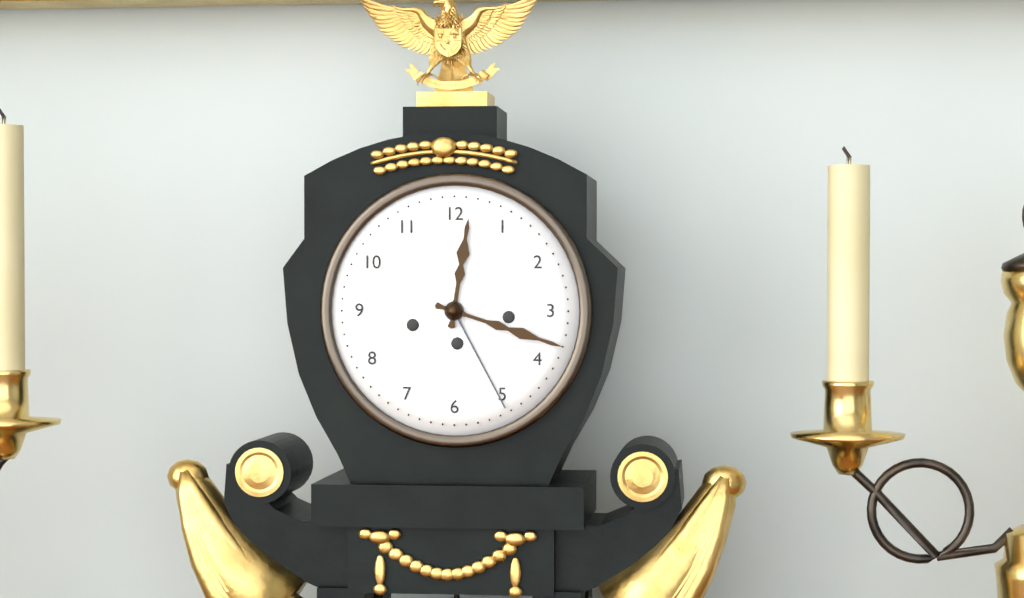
**12:18**
